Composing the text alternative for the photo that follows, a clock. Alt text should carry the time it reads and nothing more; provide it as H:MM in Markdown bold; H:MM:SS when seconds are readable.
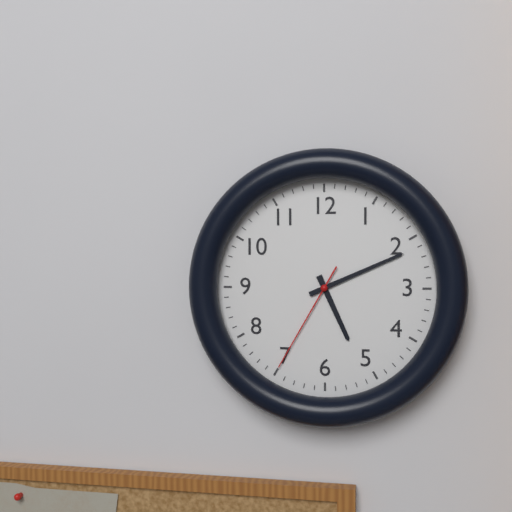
**5:11:35**
